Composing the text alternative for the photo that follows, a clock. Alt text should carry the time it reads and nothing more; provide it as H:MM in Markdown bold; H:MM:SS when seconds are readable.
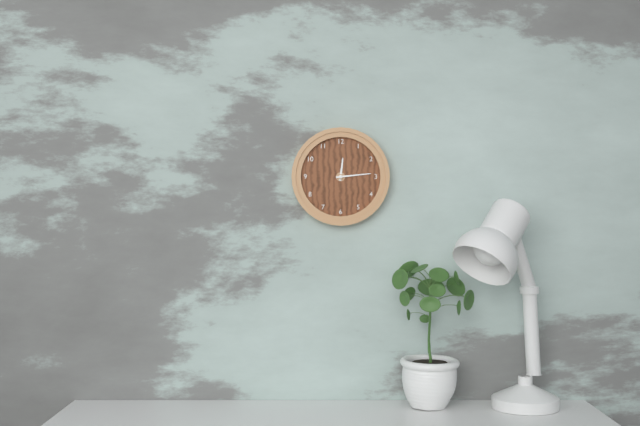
**12:14**
